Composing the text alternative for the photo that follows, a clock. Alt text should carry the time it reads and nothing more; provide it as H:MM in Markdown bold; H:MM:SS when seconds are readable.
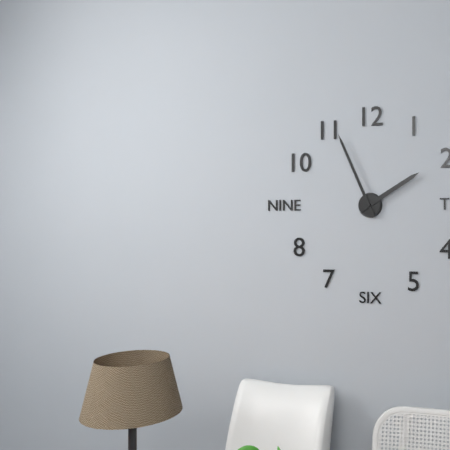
**1:56**
